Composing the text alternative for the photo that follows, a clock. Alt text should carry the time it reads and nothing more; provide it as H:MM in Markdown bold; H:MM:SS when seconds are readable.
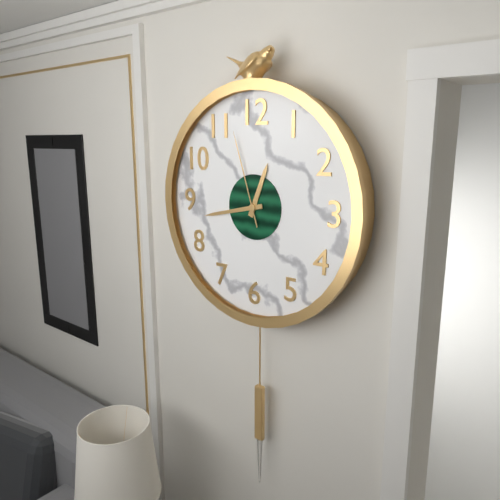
**12:43:57**
